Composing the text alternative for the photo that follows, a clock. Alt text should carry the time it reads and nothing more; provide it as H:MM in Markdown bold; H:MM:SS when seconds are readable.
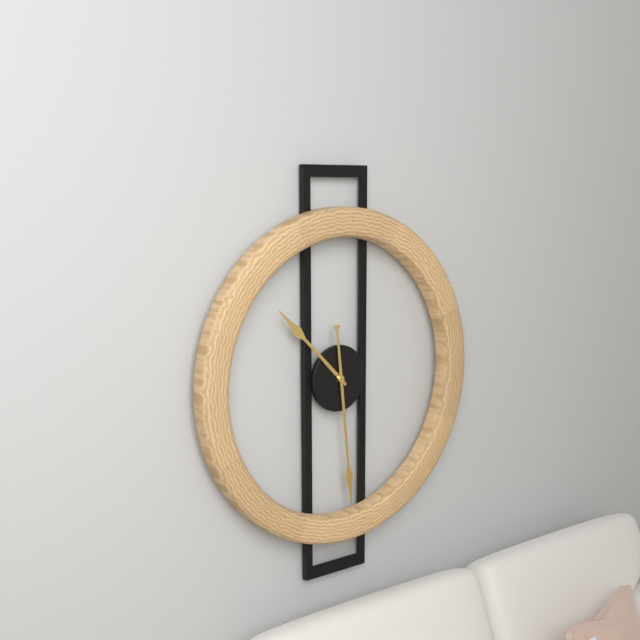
**10:29**
